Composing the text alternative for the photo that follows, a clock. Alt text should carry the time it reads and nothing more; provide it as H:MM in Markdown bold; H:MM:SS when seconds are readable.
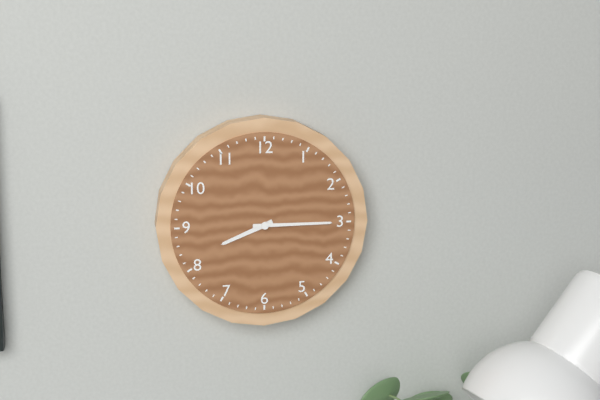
**8:15**
